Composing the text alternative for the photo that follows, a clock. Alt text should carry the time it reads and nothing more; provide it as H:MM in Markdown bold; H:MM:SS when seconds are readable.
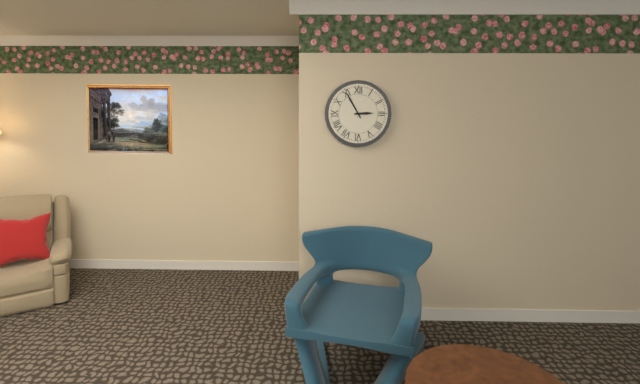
**2:55**
